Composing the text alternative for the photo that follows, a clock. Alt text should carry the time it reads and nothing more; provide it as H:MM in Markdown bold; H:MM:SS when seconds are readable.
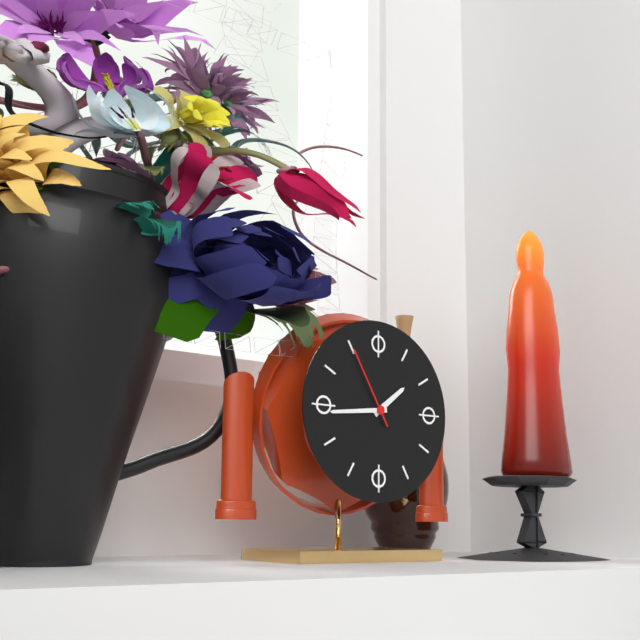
**1:44:55**
